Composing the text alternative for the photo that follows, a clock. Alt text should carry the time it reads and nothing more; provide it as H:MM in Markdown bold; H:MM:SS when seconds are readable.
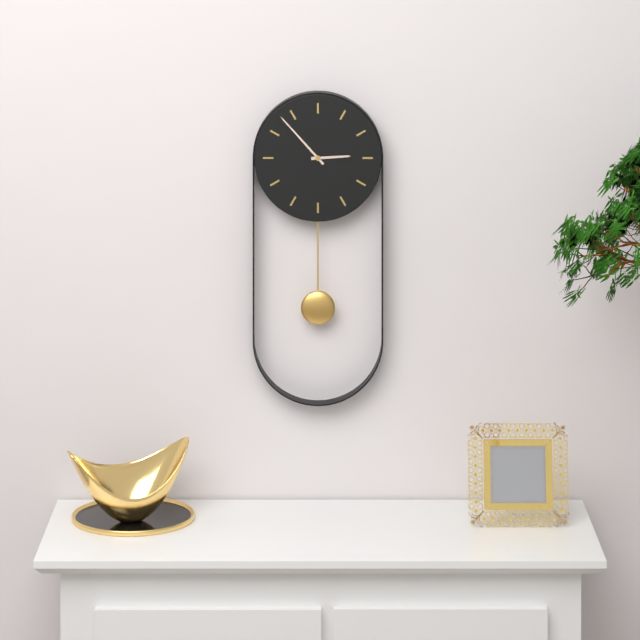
**2:53**
